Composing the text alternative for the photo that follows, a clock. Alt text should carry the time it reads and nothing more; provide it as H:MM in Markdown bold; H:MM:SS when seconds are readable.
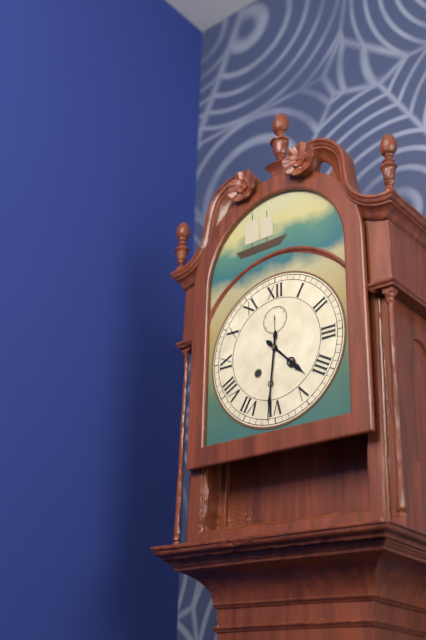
**4:31**
